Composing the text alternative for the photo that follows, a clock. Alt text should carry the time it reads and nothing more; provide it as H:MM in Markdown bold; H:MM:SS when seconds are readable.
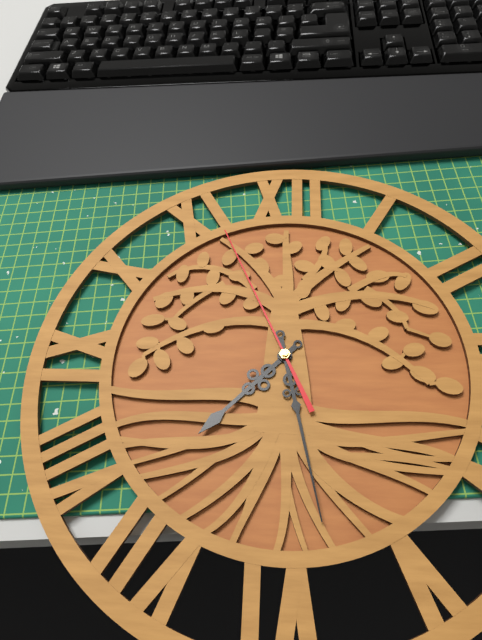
**7:28:56**
